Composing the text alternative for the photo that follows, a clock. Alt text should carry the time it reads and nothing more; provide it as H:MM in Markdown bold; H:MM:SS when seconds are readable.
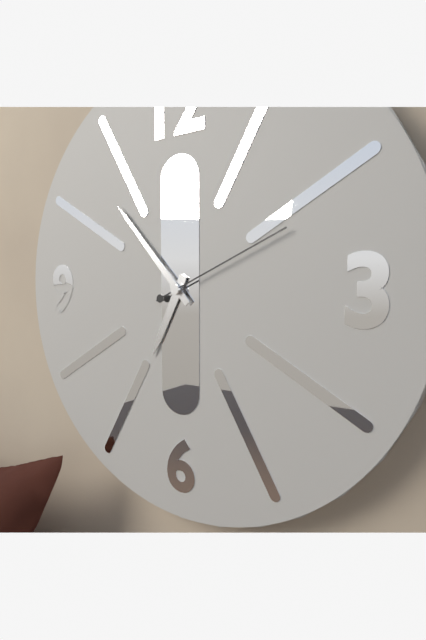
**6:53:11**
